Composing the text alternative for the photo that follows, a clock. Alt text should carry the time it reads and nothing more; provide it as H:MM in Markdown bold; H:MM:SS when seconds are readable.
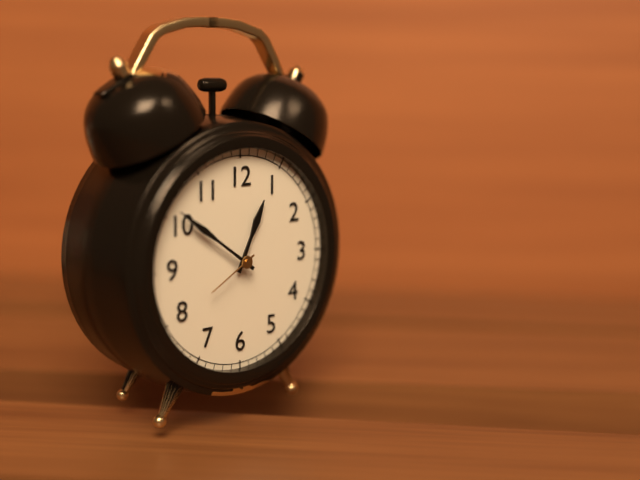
**12:51:40**
